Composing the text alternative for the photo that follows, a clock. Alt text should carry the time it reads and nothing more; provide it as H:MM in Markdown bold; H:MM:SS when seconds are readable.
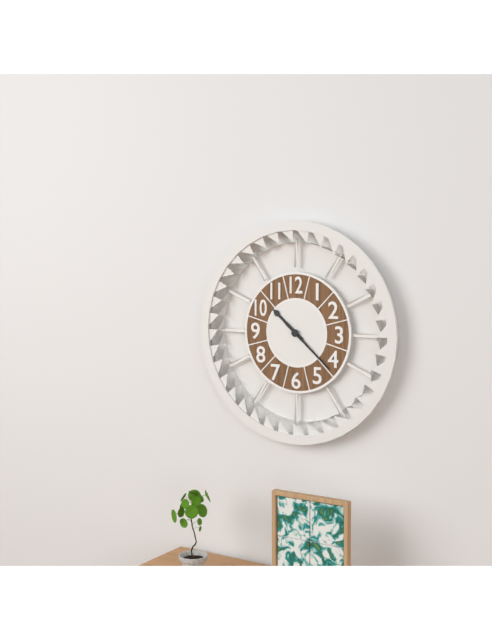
**10:22**
